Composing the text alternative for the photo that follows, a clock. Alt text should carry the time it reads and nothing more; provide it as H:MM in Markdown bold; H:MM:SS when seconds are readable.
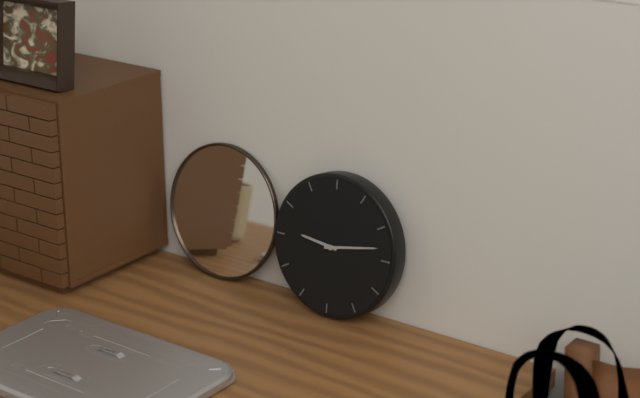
**9:13**
